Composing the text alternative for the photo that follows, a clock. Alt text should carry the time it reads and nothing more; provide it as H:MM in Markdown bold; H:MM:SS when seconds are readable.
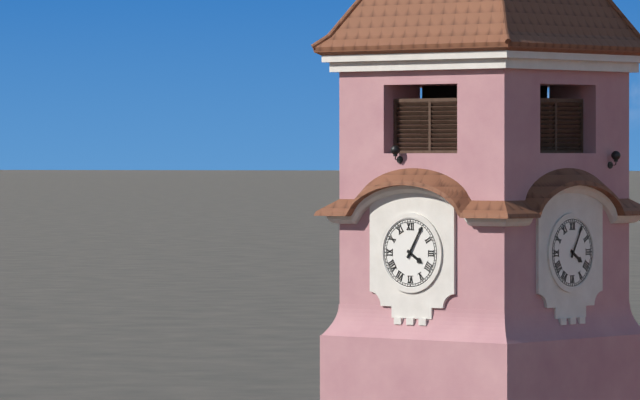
**4:05**
